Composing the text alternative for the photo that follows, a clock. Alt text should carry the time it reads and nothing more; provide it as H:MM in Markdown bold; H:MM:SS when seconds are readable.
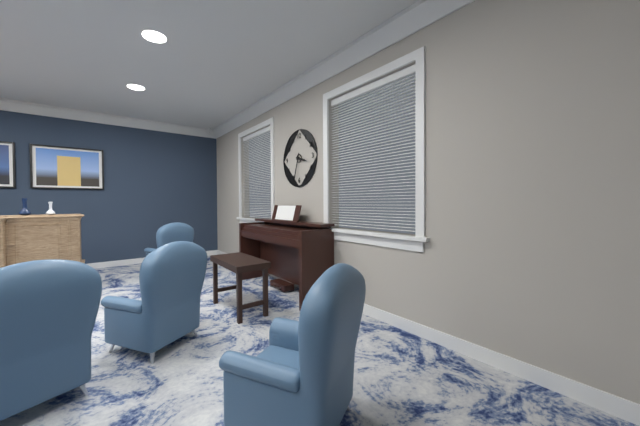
**3:33**
